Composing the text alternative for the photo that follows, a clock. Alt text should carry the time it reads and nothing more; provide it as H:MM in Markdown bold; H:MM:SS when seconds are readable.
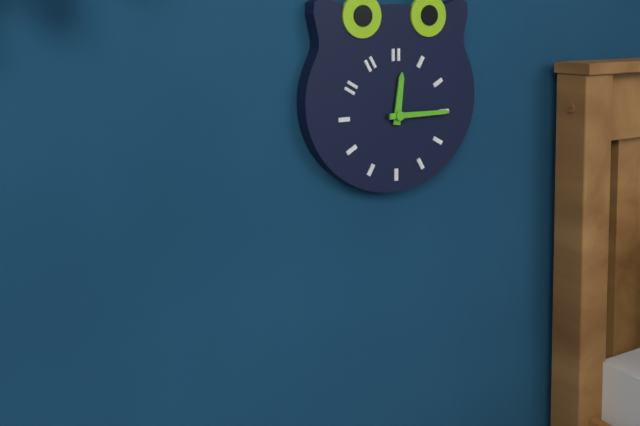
**12:15**
